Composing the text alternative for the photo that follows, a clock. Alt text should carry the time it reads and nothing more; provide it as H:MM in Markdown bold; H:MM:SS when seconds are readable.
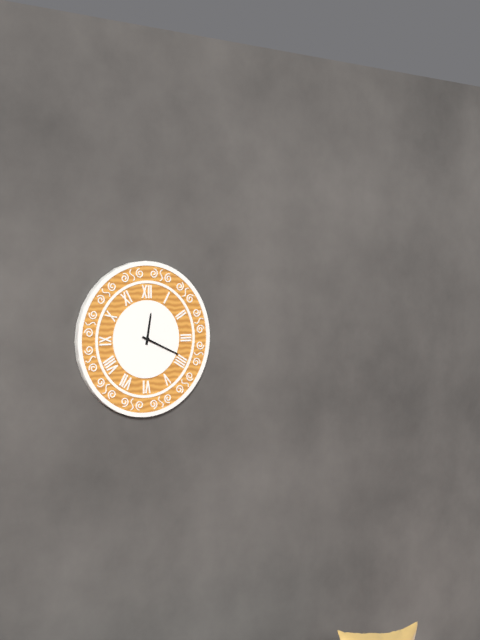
**12:19**
